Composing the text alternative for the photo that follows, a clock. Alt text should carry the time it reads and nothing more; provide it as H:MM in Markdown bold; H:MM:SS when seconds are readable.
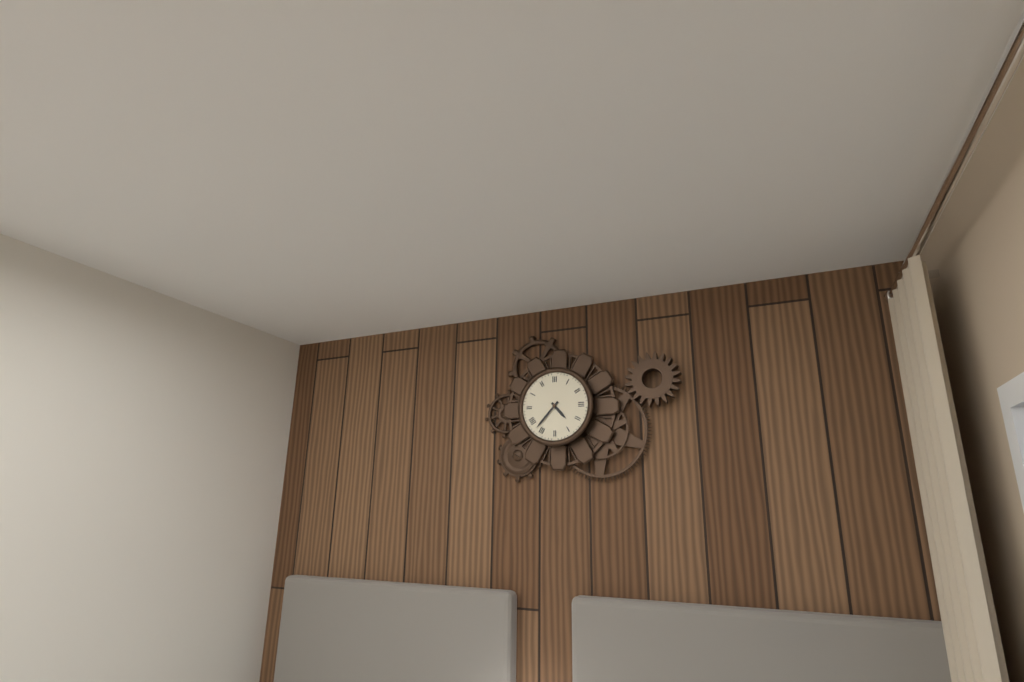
**4:37**
